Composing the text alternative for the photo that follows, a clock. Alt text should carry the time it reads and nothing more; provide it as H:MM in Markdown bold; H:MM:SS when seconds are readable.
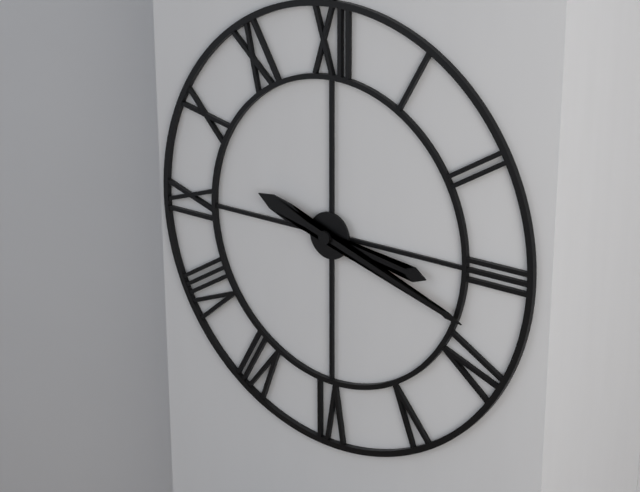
**3:18**
